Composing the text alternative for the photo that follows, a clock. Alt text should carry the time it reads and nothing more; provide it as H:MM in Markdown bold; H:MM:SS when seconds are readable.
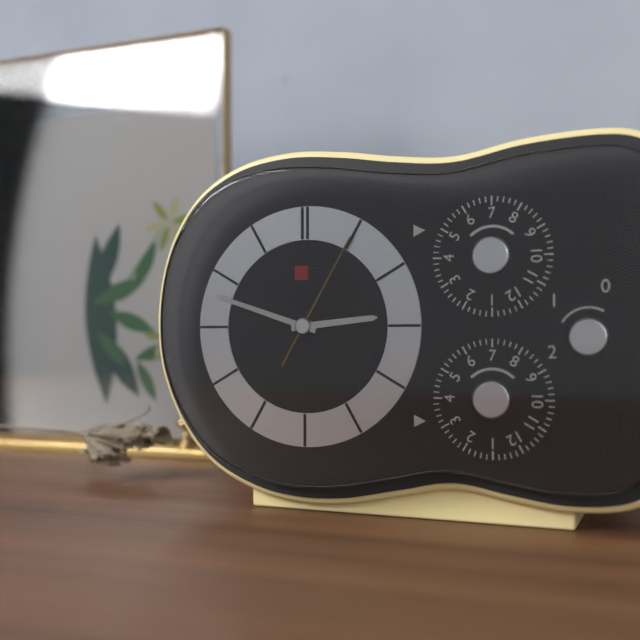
**2:48:05**
